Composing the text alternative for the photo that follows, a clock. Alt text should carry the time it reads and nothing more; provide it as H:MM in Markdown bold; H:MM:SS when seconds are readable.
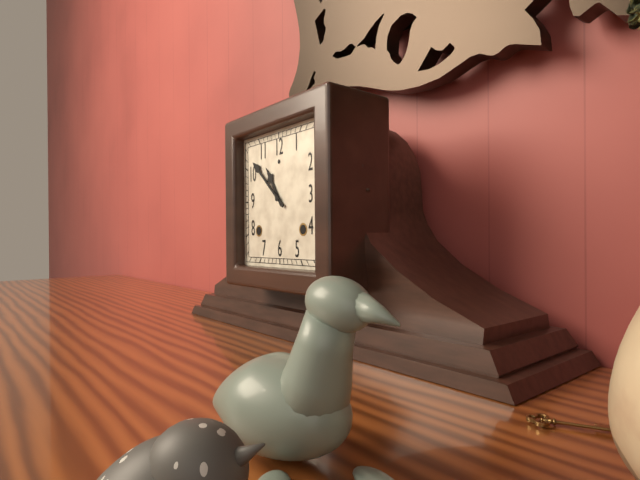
**10:52**
